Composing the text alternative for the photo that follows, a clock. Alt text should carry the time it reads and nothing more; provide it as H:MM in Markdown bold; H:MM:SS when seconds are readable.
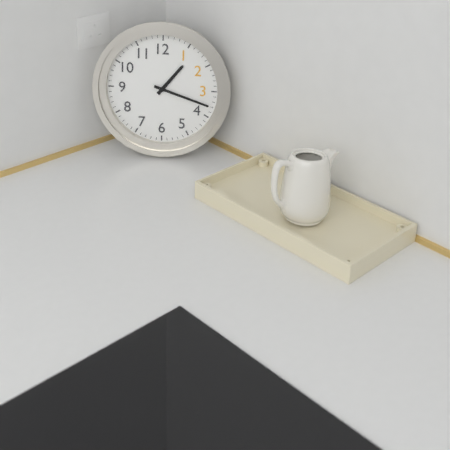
**1:18**
